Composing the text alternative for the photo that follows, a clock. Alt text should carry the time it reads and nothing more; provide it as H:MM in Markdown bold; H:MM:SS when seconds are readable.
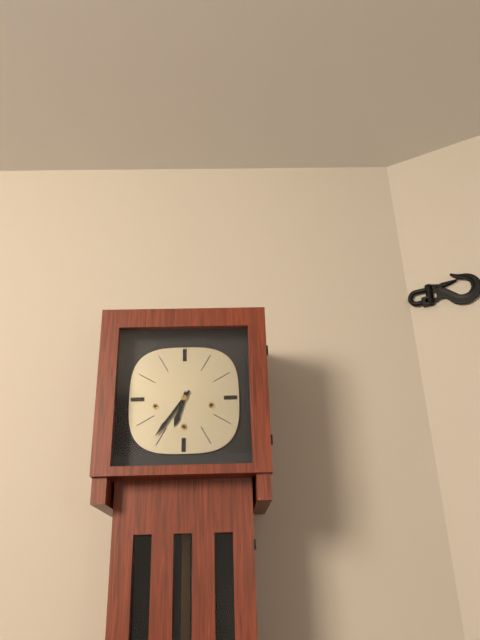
**6:36**
